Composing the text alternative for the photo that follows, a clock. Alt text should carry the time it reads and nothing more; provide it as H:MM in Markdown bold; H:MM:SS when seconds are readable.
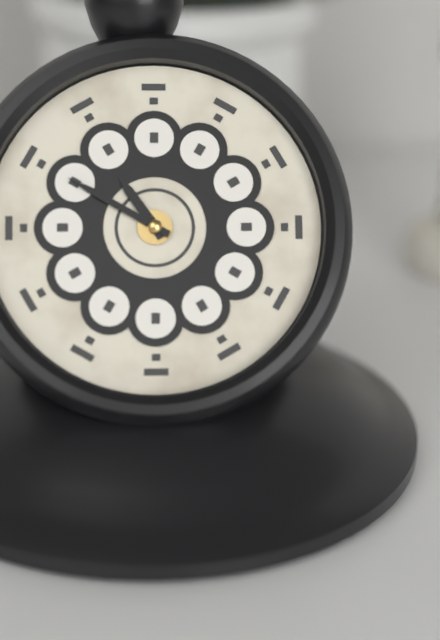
**10:50**
